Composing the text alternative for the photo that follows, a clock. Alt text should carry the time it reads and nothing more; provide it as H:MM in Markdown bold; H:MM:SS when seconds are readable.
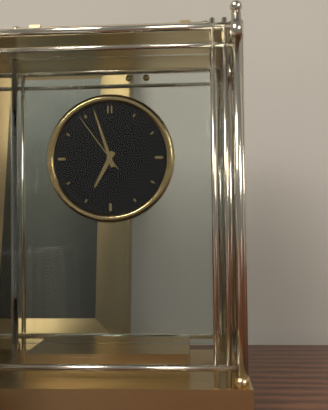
**6:57:54**
